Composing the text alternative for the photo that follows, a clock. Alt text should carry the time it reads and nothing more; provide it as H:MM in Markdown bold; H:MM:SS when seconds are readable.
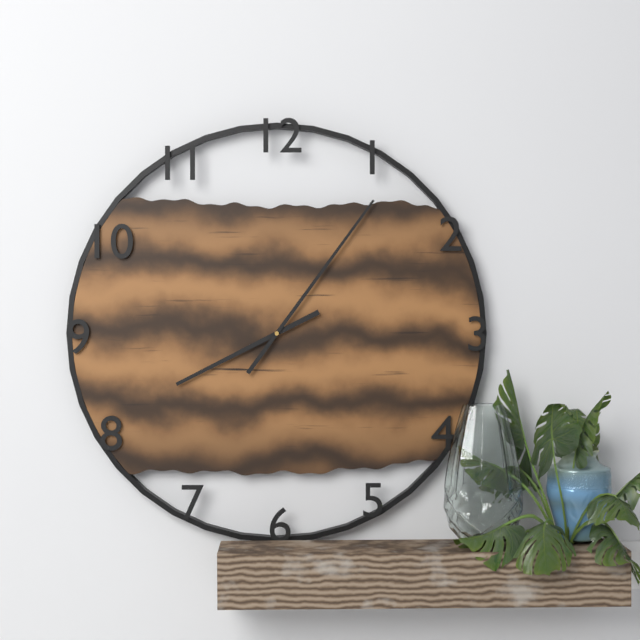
**8:06**
